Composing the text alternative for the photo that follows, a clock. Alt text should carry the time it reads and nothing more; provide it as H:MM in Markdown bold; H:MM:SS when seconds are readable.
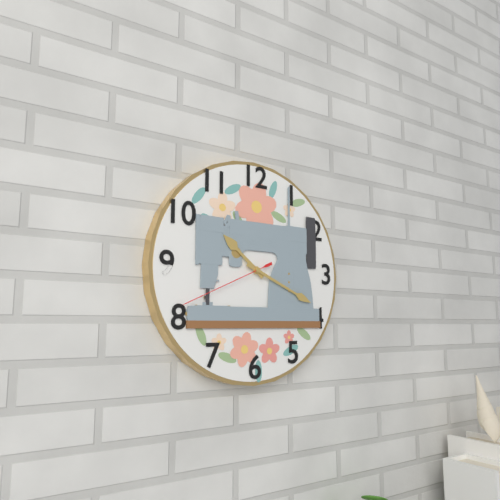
**10:19:41**
